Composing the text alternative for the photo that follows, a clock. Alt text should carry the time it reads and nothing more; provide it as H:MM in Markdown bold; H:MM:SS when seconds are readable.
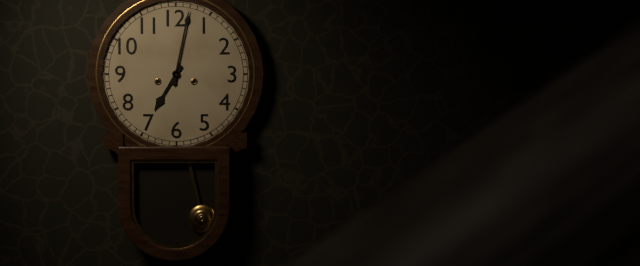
**7:02**
